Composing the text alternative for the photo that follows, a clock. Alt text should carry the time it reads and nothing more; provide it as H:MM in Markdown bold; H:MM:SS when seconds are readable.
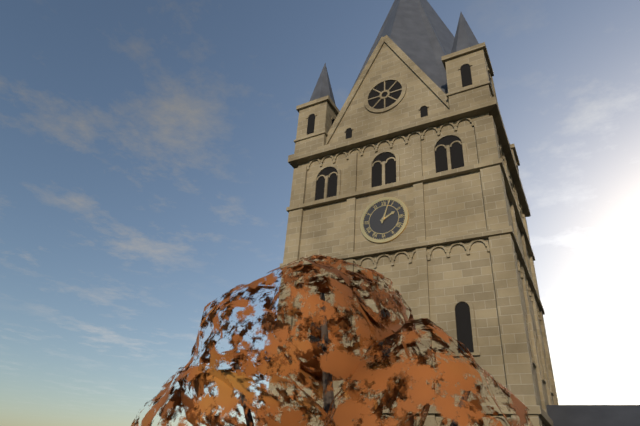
**2:03**
